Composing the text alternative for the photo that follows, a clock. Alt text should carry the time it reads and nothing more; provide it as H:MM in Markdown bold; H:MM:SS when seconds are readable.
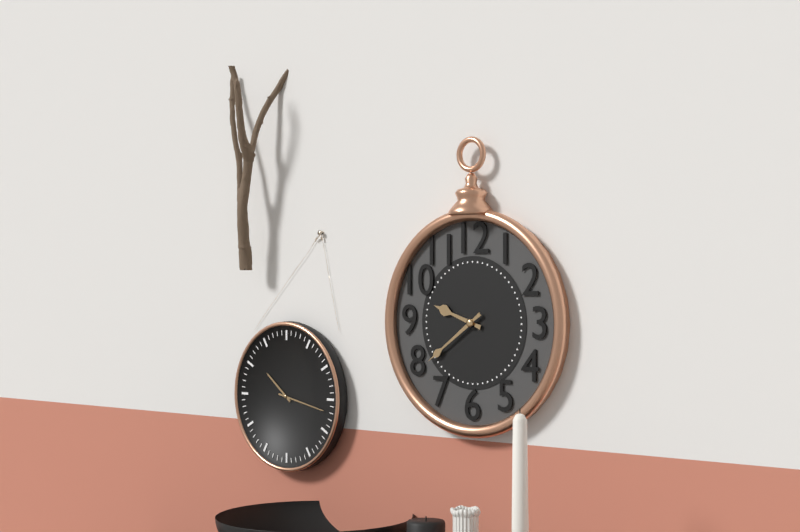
**9:39**
